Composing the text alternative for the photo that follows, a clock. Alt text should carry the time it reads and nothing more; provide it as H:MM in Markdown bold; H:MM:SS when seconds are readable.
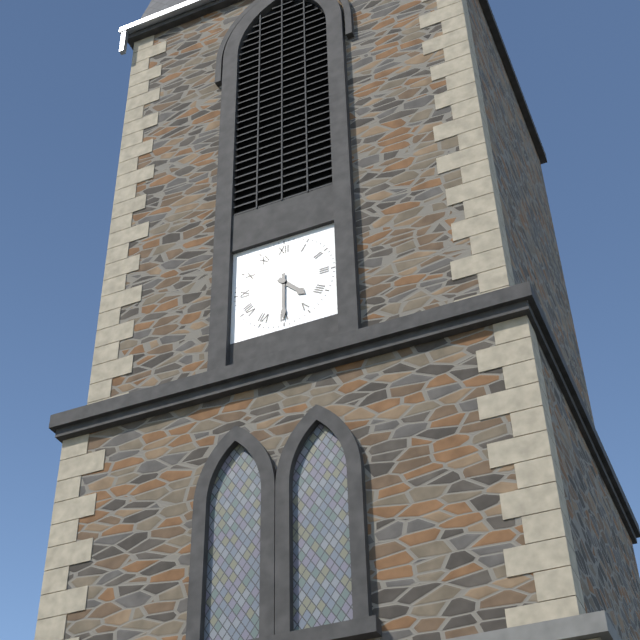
**4:30**
